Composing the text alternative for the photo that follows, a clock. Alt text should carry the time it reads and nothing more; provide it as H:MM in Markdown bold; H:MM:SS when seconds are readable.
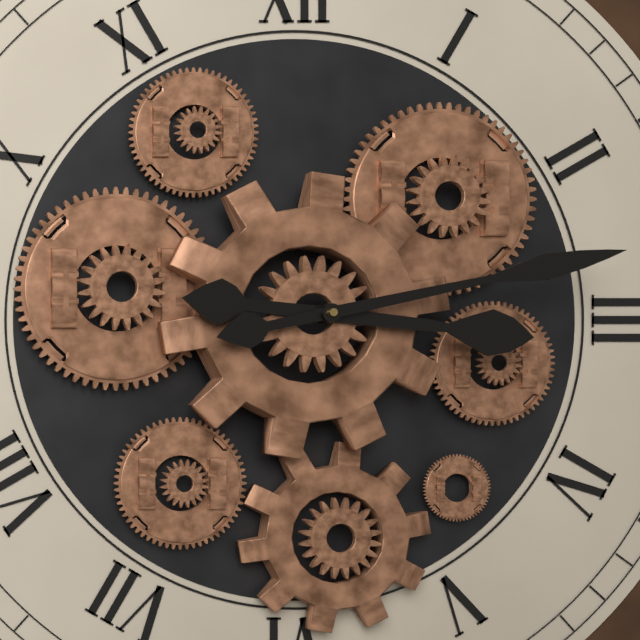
**3:13**
